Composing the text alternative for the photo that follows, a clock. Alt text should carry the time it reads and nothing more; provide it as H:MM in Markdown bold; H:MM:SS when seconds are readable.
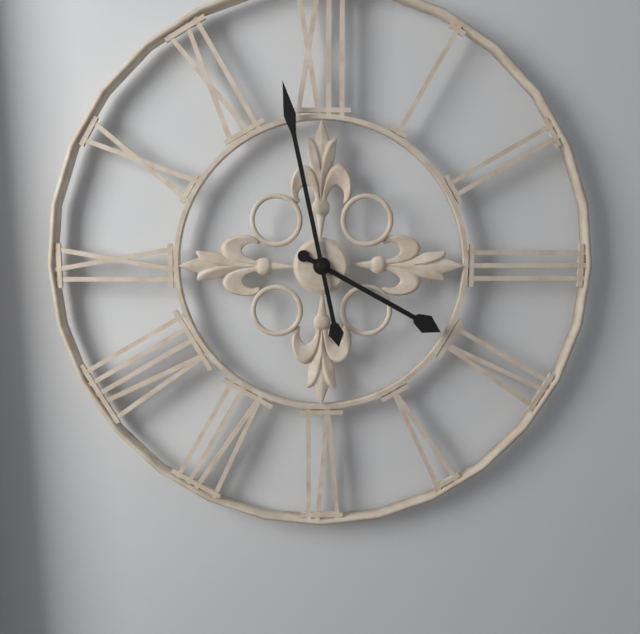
**3:58**
